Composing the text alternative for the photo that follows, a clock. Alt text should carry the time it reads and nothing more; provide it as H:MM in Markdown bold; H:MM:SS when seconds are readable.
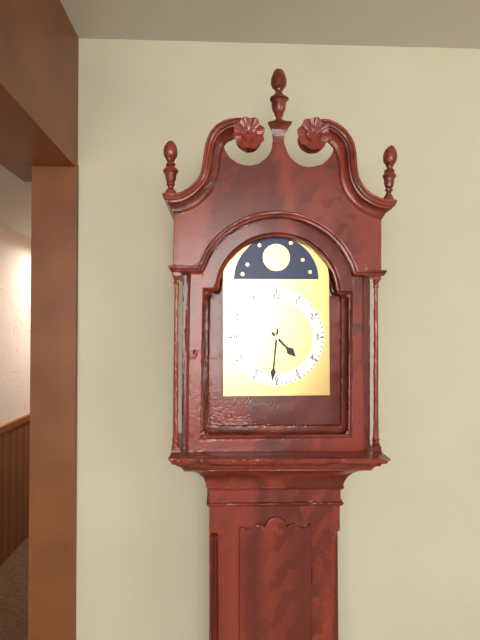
**4:31**
